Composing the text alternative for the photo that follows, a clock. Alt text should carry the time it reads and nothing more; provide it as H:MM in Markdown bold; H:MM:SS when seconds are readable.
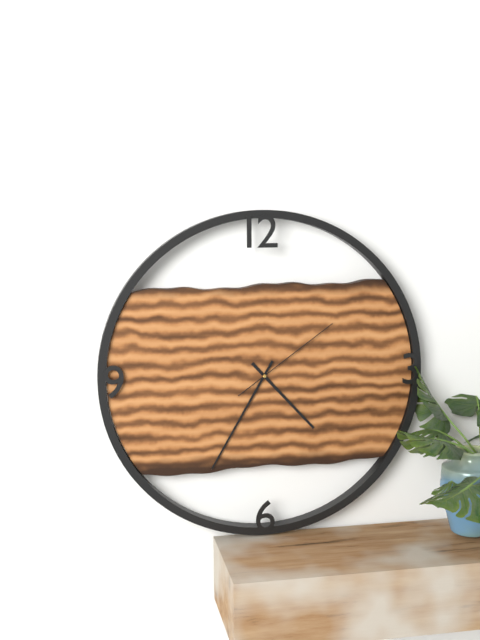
**4:35:09**
